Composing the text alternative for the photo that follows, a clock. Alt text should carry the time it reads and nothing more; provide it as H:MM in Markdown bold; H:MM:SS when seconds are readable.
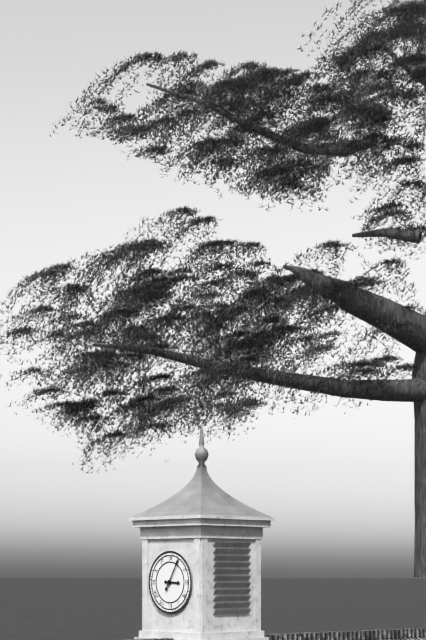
**3:05**
